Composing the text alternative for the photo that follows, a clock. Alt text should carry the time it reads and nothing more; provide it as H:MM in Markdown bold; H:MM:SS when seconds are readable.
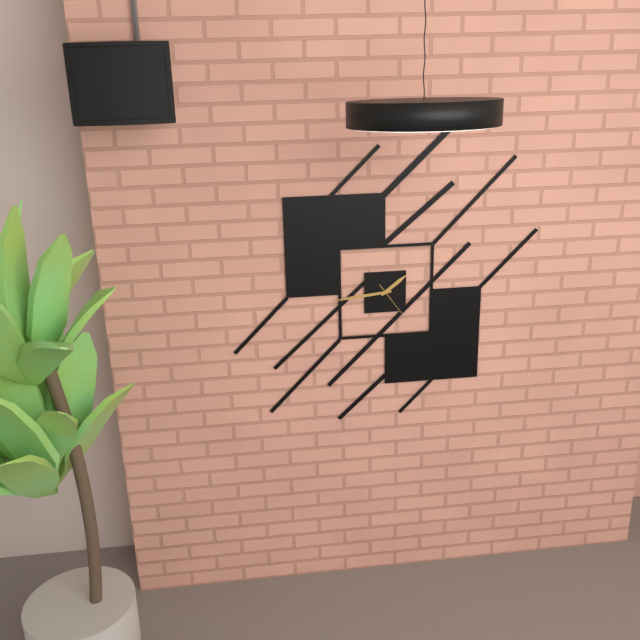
**1:44**
